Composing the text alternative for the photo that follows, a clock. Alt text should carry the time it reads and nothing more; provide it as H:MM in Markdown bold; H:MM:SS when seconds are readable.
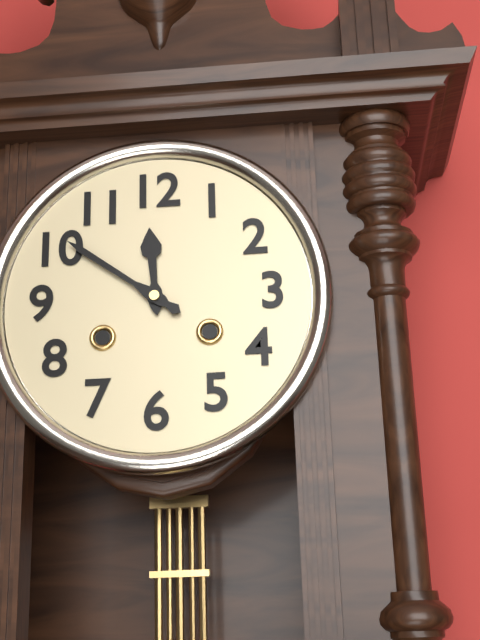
**11:51**
